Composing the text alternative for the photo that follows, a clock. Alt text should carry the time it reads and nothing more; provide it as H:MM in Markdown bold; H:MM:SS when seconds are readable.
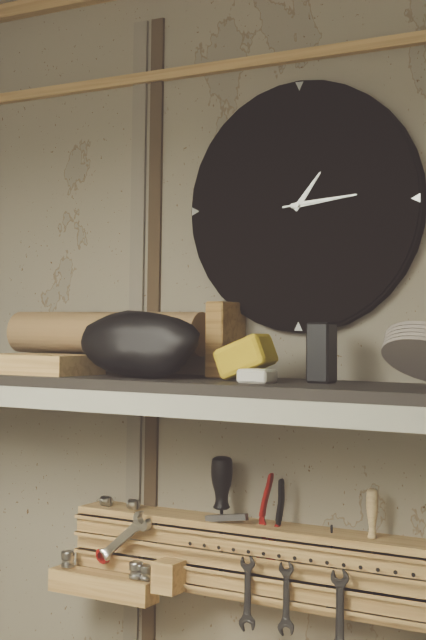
**1:14:14**
